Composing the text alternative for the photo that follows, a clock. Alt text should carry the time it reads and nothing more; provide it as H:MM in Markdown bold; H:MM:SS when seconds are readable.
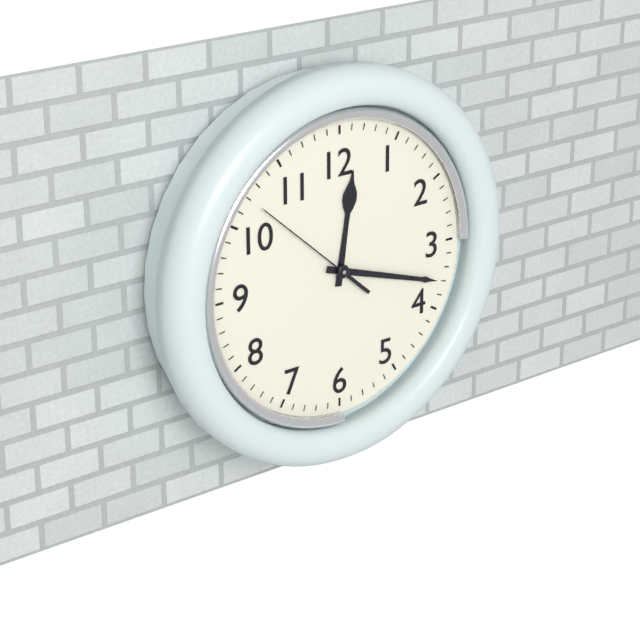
**12:18:52**
